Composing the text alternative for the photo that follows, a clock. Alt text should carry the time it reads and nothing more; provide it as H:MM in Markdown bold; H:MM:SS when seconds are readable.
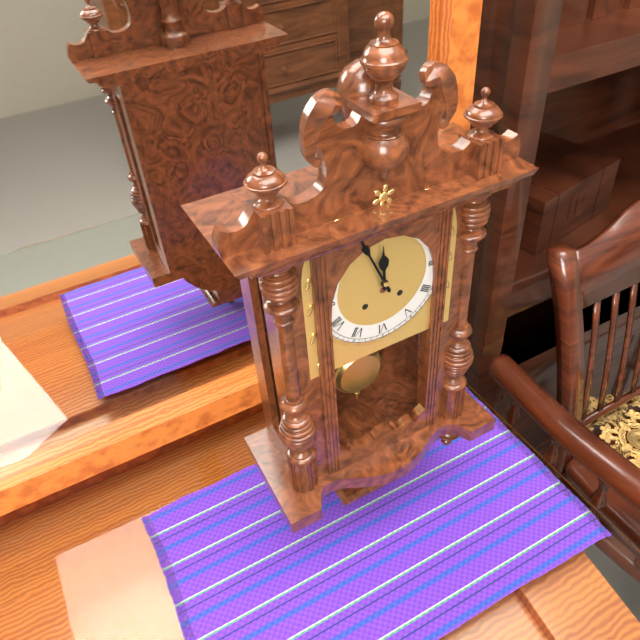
**11:56**
